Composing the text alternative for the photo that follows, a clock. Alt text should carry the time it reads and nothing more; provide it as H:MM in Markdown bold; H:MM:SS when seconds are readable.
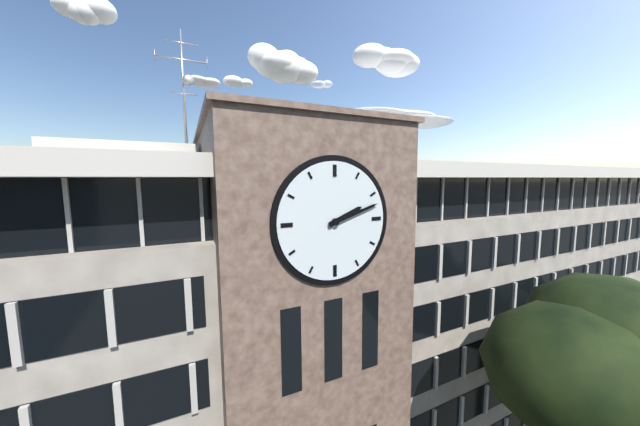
**2:12**
